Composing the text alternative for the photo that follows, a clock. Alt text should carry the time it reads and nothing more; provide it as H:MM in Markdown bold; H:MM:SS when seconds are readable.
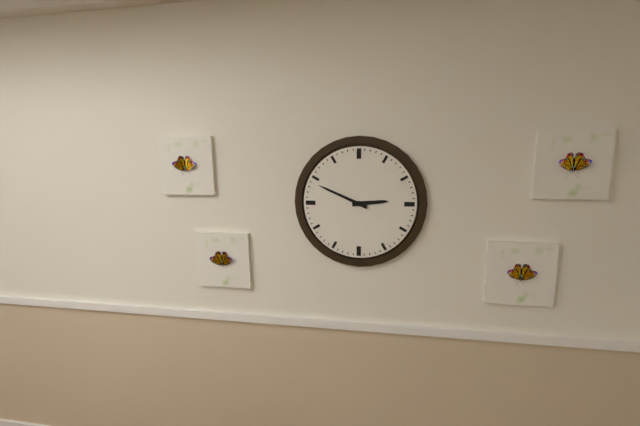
**2:49**
